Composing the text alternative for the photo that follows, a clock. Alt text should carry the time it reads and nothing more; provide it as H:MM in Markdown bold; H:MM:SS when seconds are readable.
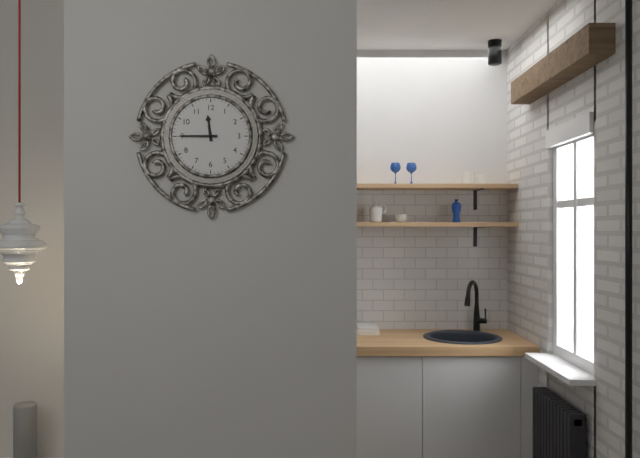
**11:45**
